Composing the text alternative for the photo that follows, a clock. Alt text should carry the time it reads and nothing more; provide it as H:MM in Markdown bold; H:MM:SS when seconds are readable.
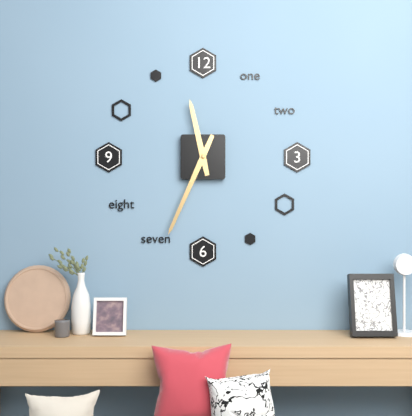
**11:34**
